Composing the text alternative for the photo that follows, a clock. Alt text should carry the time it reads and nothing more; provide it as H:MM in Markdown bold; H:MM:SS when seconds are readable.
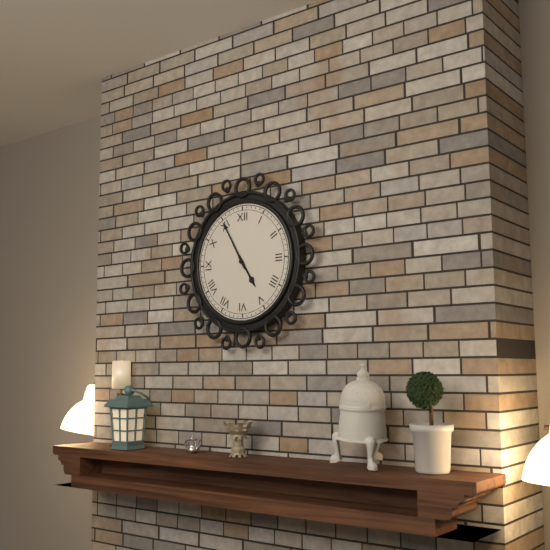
**4:55**
